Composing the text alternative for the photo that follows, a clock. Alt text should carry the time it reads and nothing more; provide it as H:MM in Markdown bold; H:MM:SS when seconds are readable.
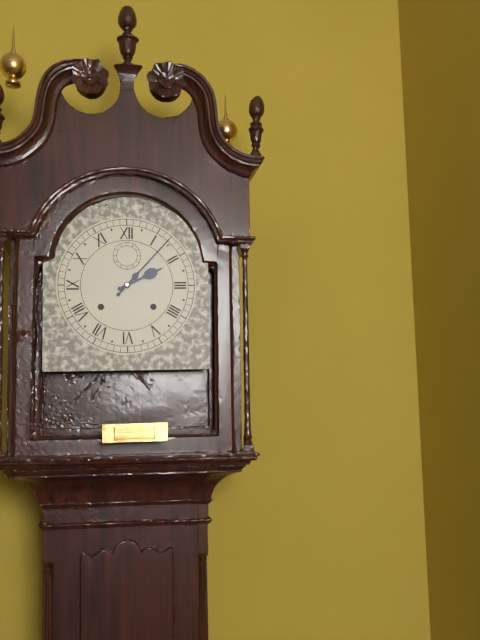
**2:07**
